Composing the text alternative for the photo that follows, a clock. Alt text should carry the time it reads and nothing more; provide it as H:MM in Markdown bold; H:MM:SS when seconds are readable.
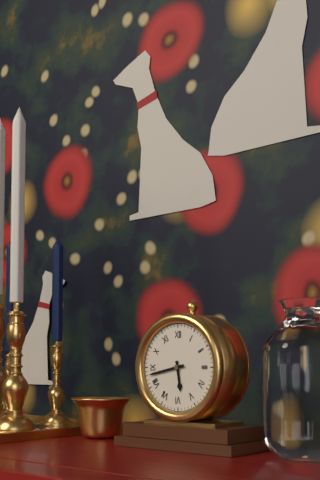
**5:43**
